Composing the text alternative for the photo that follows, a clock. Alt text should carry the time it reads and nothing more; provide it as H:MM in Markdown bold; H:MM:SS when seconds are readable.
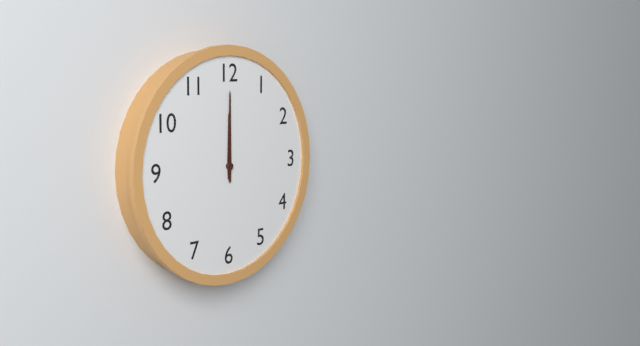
**12:00**
